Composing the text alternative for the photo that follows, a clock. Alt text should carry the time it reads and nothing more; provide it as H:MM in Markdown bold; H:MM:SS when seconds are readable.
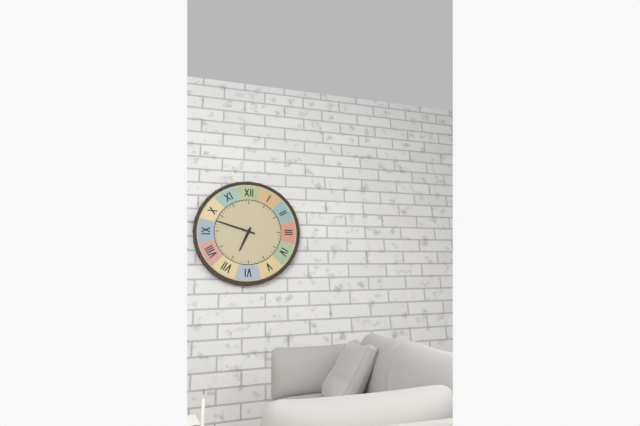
**6:48**
